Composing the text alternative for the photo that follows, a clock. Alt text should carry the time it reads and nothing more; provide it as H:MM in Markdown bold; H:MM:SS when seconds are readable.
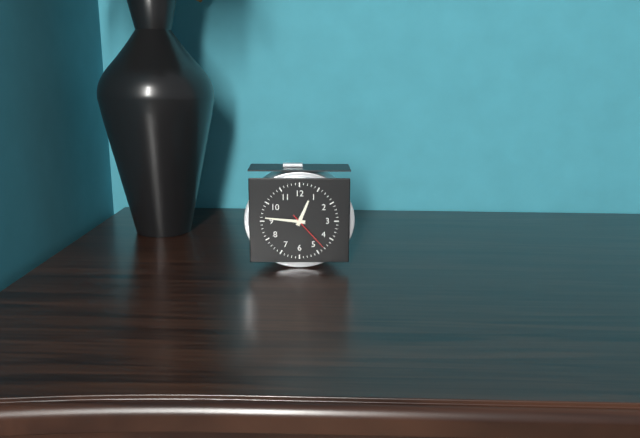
**12:46:23**
